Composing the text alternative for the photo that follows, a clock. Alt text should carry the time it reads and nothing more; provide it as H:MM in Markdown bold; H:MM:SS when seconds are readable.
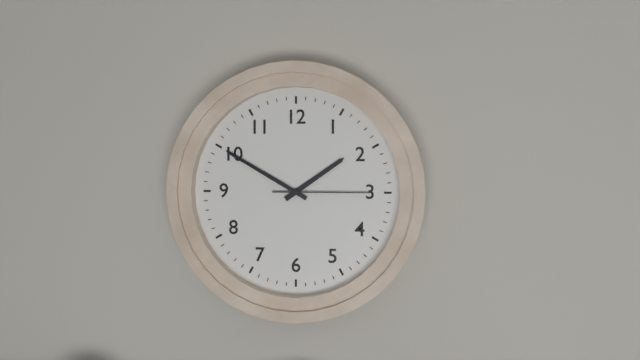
**1:50:15**
